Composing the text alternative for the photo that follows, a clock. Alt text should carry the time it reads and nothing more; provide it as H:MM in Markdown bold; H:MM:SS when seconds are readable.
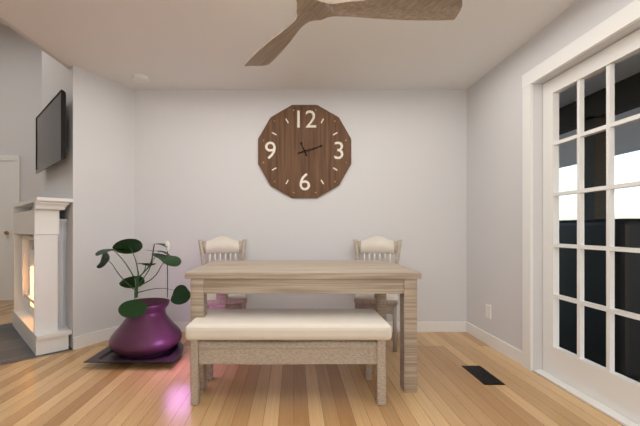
**11:12**
